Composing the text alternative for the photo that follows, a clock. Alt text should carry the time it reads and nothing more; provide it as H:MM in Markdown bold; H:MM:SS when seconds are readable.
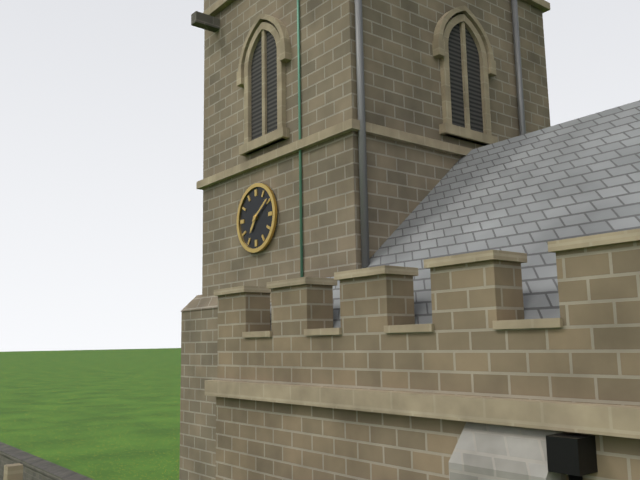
**7:09**
